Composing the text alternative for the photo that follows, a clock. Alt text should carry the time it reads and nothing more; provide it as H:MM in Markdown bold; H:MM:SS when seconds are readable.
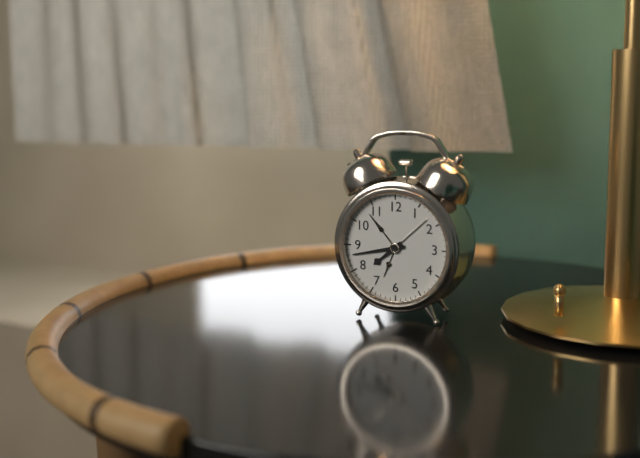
**7:43**
